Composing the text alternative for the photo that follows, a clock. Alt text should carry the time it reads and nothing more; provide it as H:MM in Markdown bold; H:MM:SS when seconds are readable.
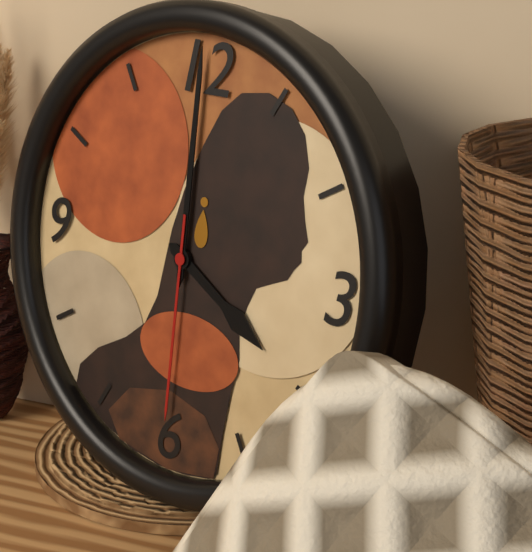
**4:00:30**
